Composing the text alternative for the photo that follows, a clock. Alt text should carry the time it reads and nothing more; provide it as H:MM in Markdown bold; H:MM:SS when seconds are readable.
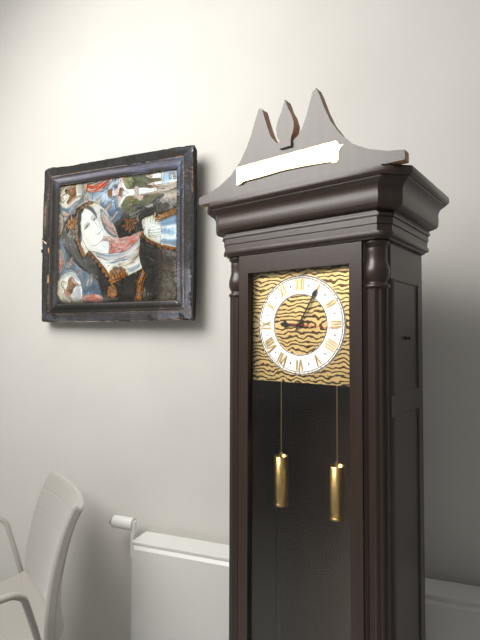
**9:05**
